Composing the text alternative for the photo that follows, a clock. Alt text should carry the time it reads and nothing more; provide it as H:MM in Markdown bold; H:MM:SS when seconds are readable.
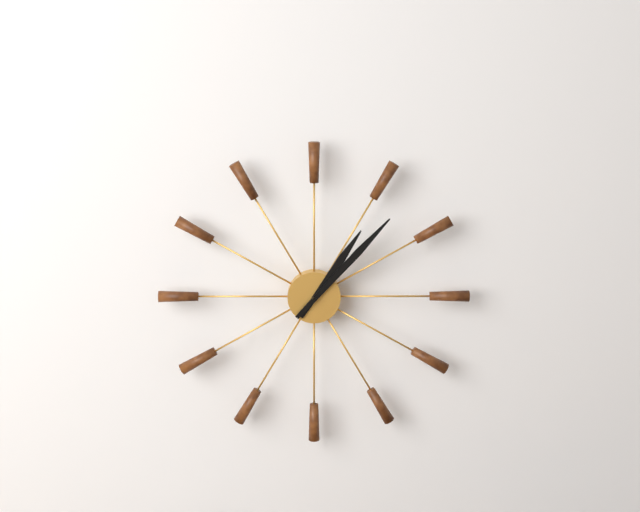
**1:07**
